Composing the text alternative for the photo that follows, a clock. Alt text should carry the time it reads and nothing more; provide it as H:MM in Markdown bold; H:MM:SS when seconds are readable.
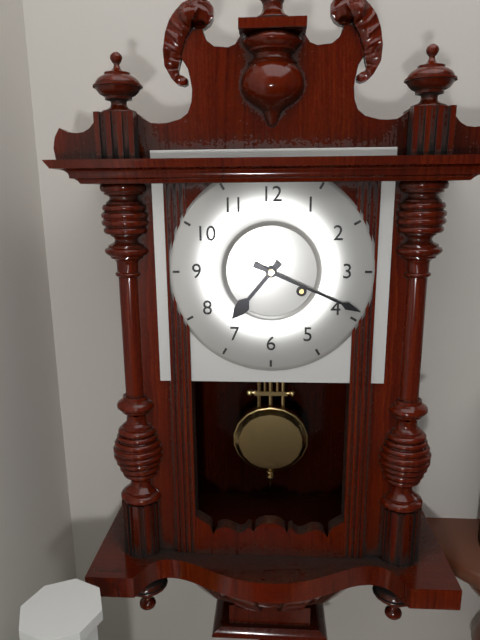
**7:19**
